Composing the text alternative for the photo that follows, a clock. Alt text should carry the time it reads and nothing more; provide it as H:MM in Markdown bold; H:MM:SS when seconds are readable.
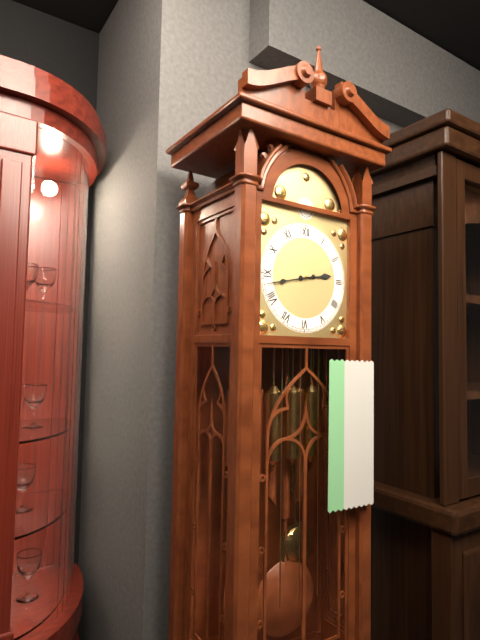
**2:43**
